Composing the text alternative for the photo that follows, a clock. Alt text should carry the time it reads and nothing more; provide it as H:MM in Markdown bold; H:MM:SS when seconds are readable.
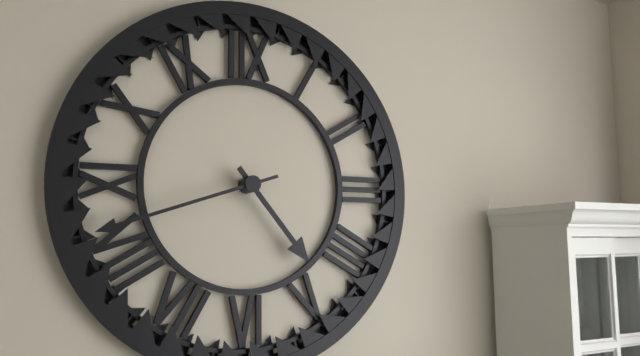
**4:42**
